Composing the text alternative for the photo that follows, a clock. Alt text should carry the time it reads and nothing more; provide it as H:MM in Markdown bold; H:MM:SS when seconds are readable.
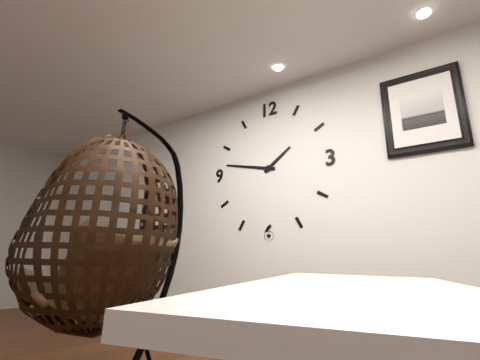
**1:47**
